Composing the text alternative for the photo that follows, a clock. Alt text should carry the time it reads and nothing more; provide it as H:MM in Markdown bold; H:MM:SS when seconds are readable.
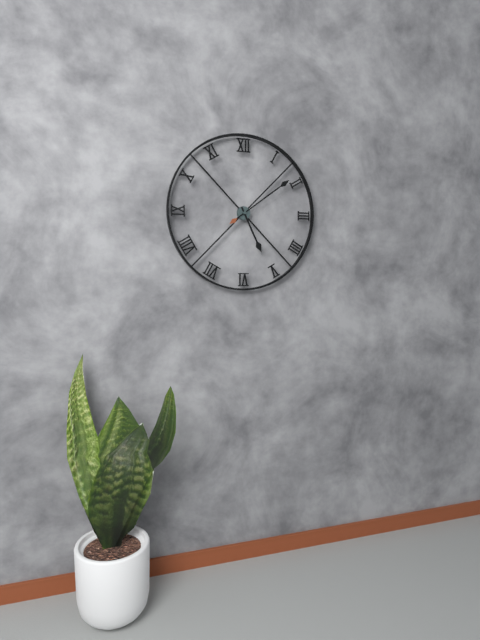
**5:09**
